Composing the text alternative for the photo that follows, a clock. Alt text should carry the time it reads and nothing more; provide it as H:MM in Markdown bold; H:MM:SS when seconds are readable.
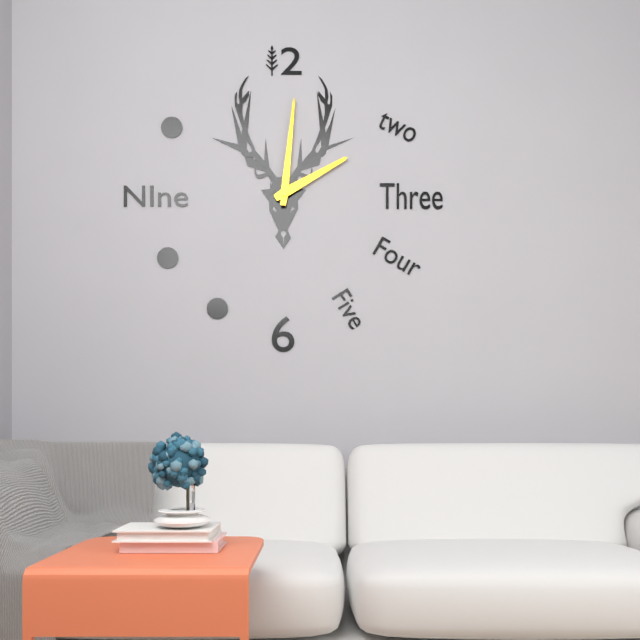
**2:01**
